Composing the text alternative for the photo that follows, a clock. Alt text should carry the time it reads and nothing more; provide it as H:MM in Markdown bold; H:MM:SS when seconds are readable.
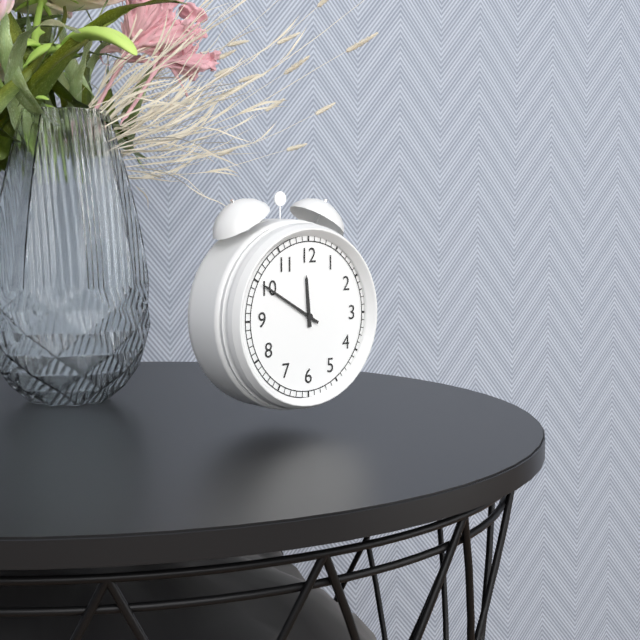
**11:50**
